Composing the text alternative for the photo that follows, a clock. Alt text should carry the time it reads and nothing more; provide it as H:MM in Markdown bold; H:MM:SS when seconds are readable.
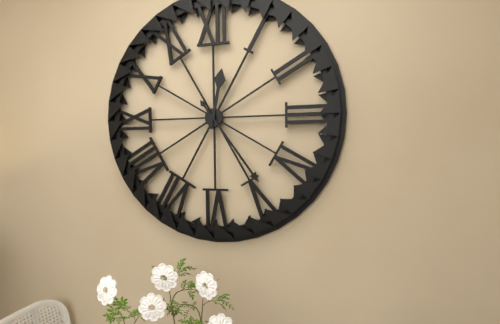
**12:24**
